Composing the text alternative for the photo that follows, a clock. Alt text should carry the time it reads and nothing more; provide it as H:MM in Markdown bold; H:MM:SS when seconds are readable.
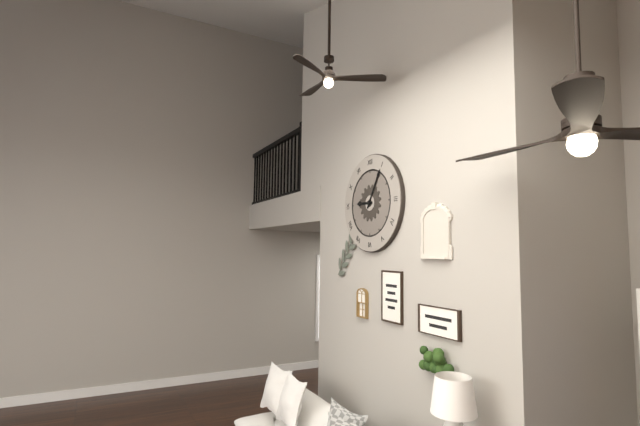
**9:05**
